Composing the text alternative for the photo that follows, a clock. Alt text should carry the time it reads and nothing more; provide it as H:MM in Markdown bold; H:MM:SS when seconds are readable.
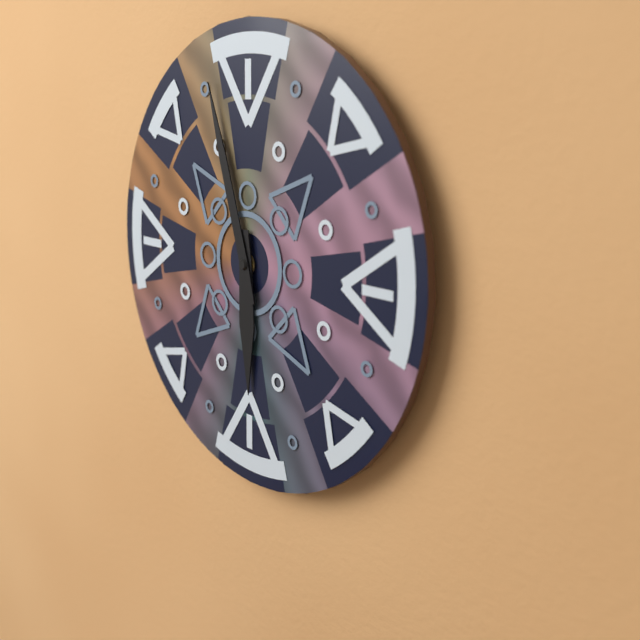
**5:57**
